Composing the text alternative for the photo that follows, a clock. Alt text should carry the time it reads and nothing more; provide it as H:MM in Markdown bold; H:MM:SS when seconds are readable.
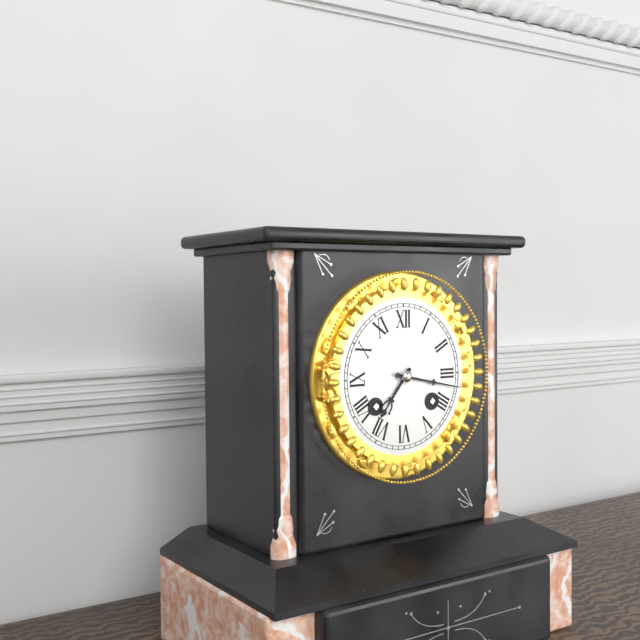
**7:17**
